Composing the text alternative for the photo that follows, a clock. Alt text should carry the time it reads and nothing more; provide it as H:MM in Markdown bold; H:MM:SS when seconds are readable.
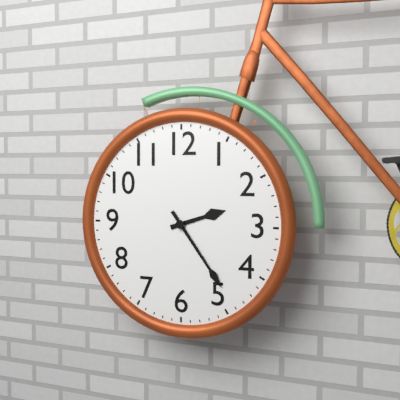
**2:24**
